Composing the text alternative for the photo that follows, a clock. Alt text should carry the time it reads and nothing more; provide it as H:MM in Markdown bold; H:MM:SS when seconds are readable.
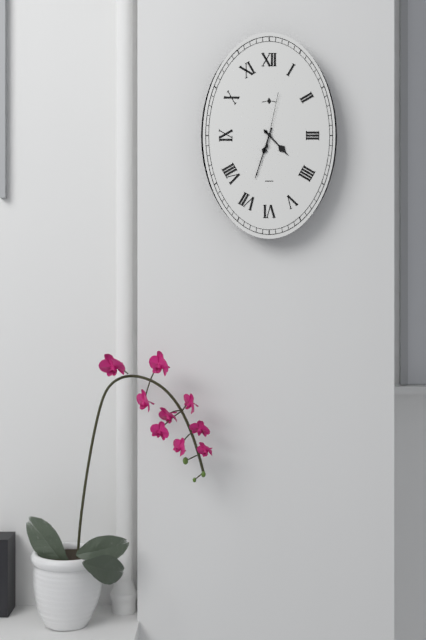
**4:33:02**
